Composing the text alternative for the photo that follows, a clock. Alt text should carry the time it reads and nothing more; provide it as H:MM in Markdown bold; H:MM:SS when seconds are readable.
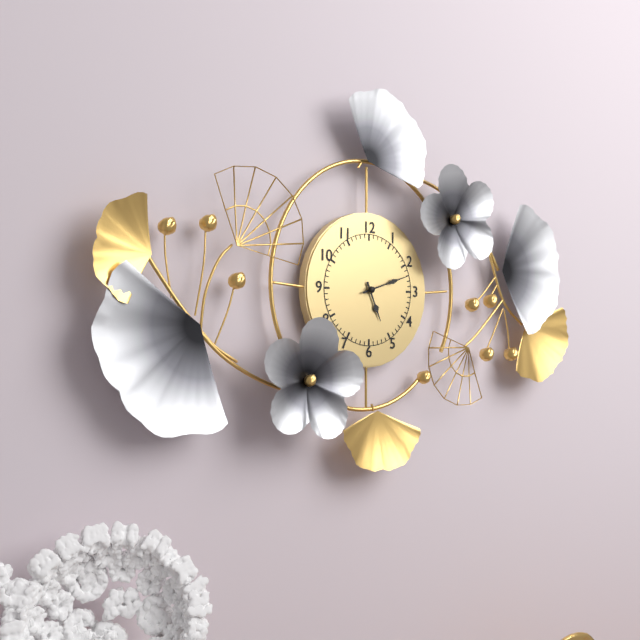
**5:12**
